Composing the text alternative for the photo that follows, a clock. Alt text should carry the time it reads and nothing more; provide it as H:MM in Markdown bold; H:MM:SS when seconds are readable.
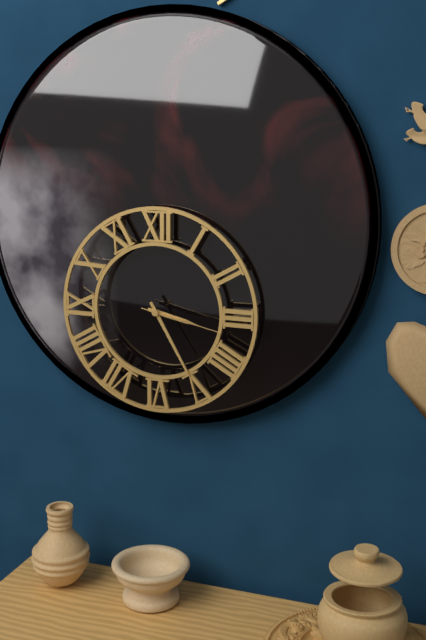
**3:25:17**
